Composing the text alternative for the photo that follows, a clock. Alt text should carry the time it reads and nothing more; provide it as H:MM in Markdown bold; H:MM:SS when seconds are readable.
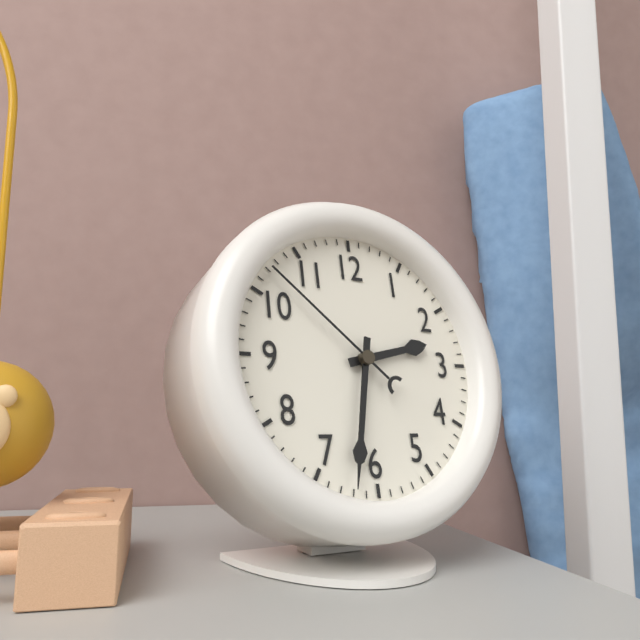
**2:32:52**
